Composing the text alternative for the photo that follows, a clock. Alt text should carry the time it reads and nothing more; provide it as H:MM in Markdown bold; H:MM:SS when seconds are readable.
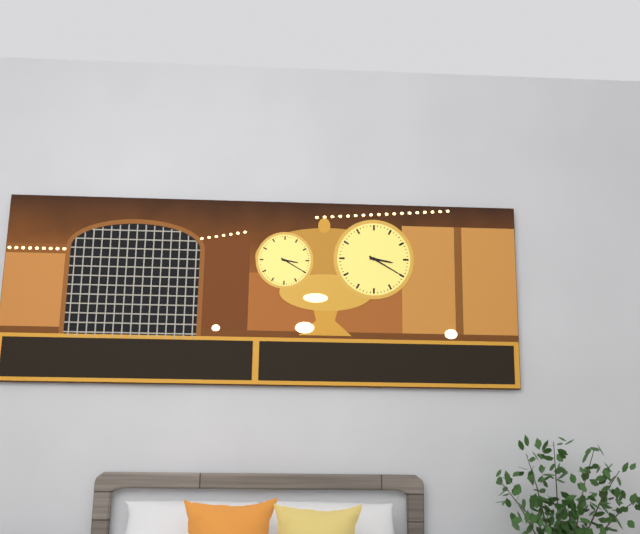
**3:20**
